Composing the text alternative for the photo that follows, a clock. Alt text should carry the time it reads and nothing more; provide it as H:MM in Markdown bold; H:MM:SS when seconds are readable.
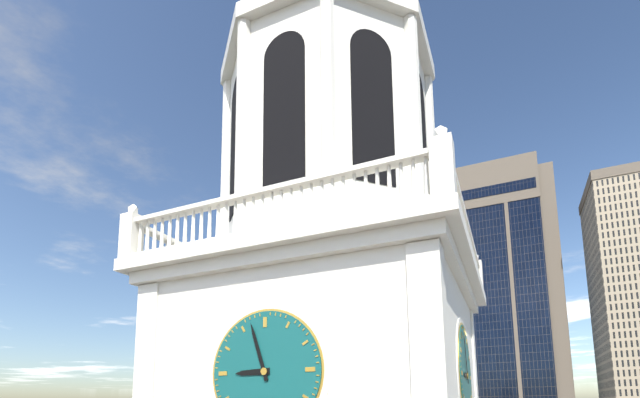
**8:57**
